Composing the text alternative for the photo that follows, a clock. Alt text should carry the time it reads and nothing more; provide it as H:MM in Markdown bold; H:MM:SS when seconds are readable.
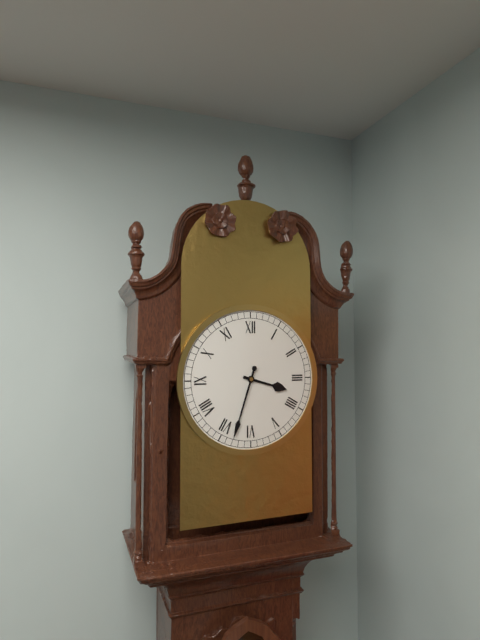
**3:33**
